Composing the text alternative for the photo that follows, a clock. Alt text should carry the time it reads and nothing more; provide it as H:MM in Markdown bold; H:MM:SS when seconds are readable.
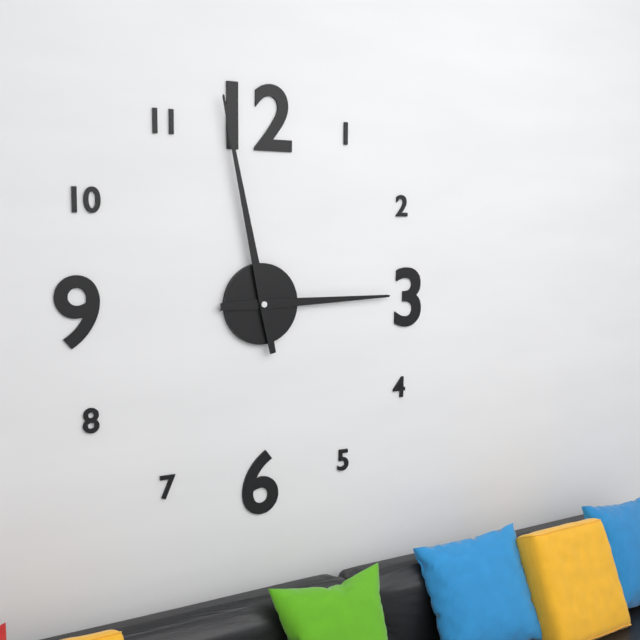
**2:58**
